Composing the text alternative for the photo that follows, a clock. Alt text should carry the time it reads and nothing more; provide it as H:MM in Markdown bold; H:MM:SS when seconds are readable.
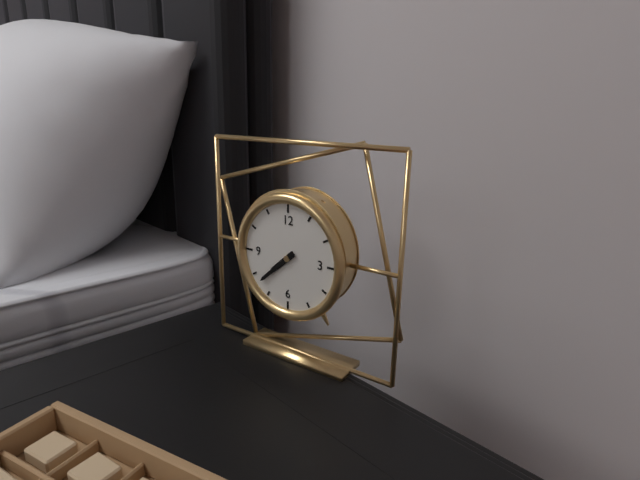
**7:38**
